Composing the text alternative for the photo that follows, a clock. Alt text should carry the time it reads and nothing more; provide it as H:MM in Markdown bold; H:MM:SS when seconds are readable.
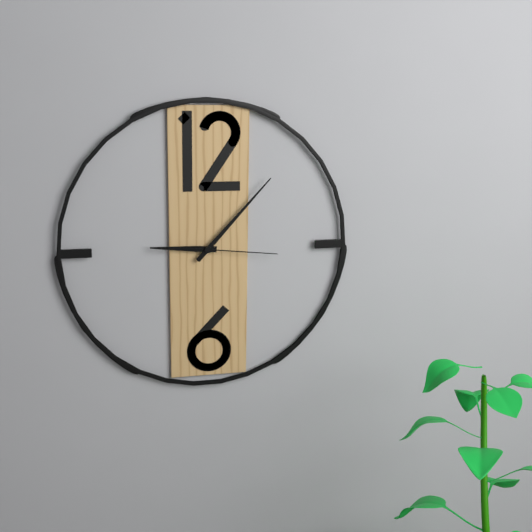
**9:07:16**
